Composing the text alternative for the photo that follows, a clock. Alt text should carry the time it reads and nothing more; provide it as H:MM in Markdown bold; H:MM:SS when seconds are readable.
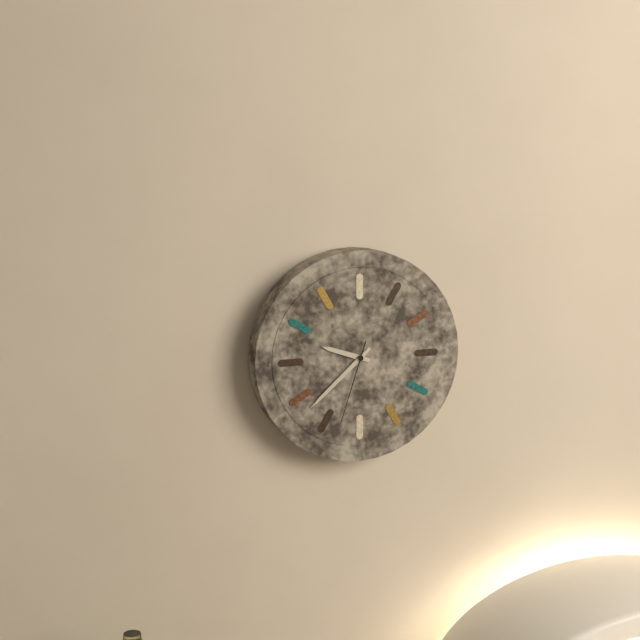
**9:38:33**
